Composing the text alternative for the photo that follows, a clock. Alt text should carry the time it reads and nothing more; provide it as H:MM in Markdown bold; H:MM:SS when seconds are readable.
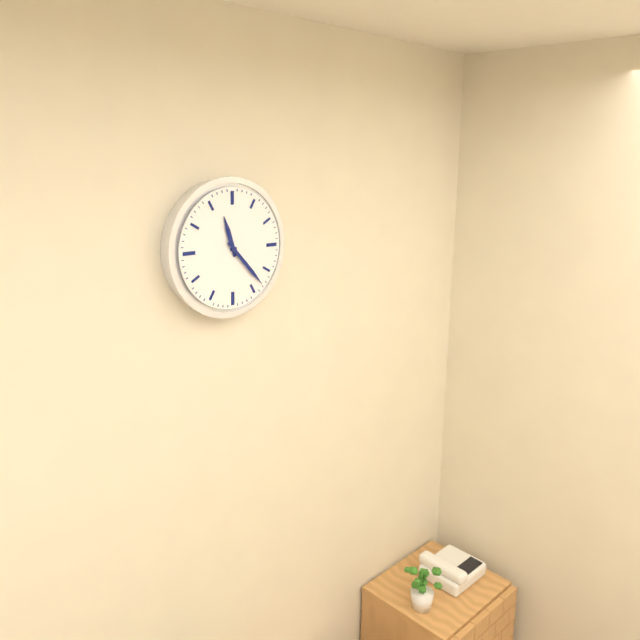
**11:23**
